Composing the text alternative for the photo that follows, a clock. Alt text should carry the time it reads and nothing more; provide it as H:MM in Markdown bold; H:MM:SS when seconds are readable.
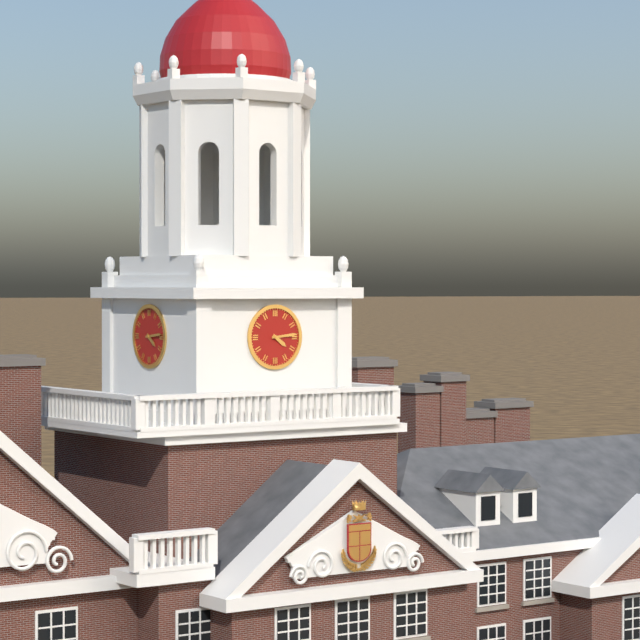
**4:14**
